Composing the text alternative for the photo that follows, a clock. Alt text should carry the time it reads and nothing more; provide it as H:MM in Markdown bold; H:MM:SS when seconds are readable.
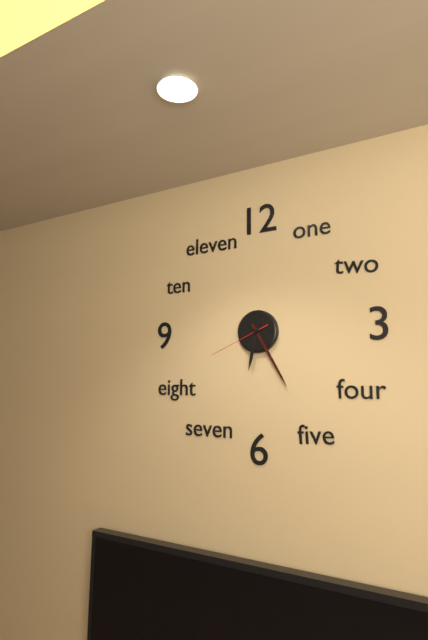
**6:25:41**
